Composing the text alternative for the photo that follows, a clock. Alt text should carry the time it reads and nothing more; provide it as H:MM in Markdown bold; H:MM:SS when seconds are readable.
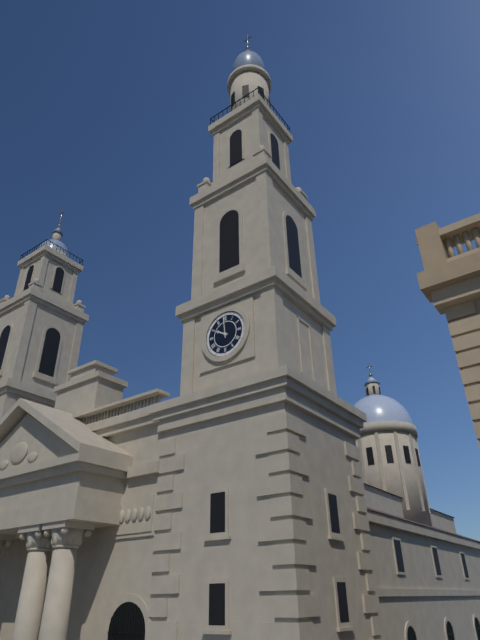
**9:59**
